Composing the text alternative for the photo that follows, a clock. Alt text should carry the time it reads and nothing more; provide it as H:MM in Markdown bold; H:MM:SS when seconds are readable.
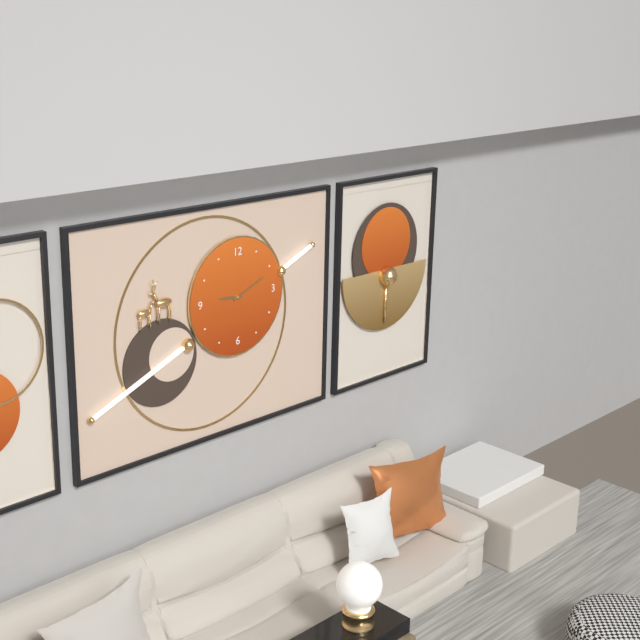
**9:11**
